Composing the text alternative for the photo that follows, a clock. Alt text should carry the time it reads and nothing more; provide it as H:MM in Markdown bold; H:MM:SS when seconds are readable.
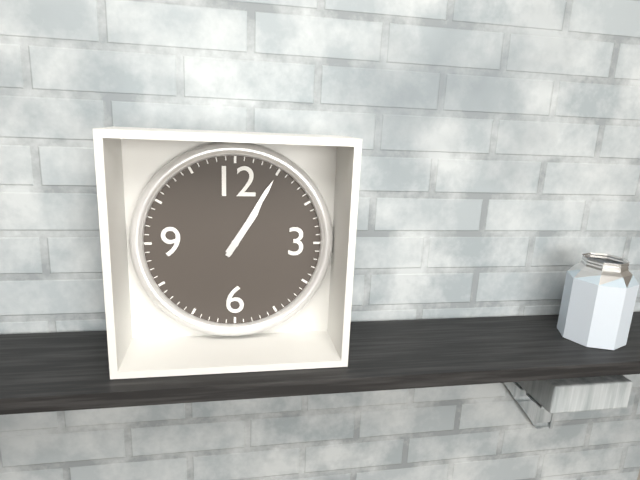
**1:05**
